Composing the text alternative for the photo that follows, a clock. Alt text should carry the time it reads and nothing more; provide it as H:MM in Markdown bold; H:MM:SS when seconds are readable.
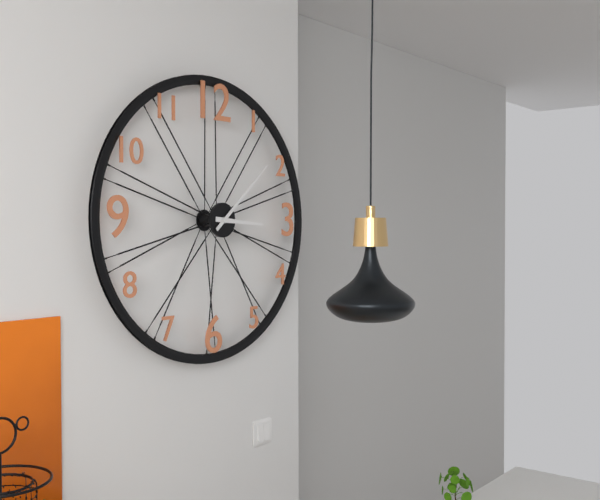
**3:08**
